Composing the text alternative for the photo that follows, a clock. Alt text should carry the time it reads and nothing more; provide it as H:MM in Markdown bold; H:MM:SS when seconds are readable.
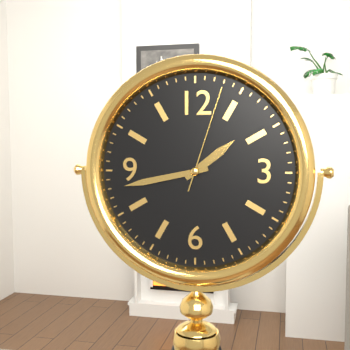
**1:43:03**
